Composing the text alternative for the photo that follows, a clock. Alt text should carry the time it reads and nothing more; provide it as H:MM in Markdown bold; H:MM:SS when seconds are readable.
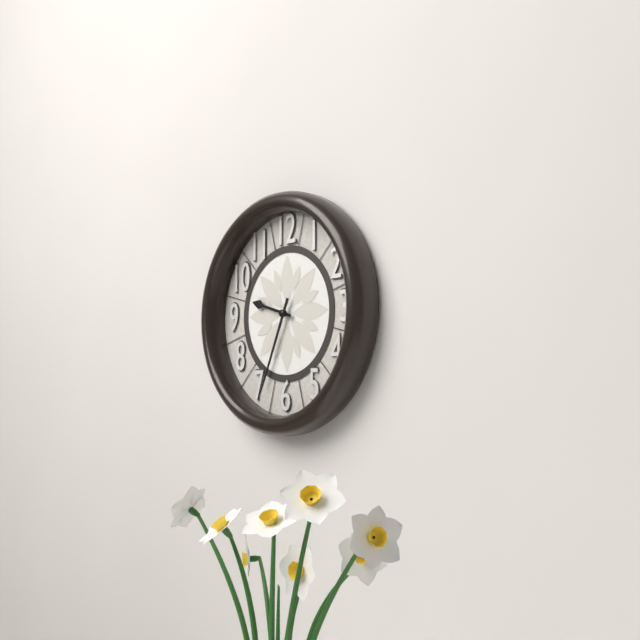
**9:34**
